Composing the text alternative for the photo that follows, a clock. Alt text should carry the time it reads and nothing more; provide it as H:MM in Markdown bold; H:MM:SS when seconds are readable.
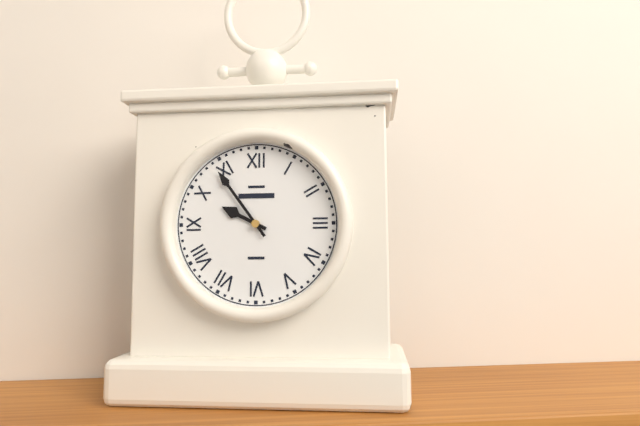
**9:54**
